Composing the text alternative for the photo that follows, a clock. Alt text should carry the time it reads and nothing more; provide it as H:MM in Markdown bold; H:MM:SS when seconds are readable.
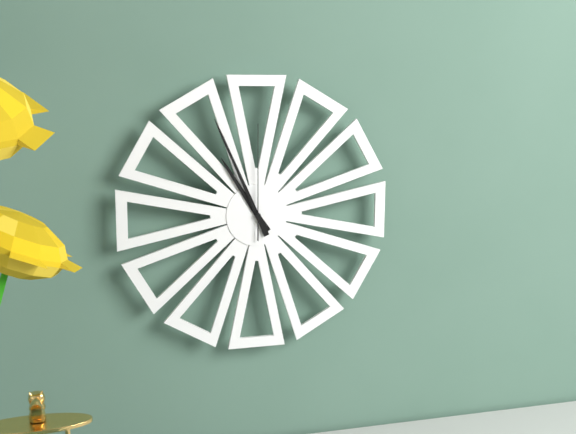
**10:56:00**
